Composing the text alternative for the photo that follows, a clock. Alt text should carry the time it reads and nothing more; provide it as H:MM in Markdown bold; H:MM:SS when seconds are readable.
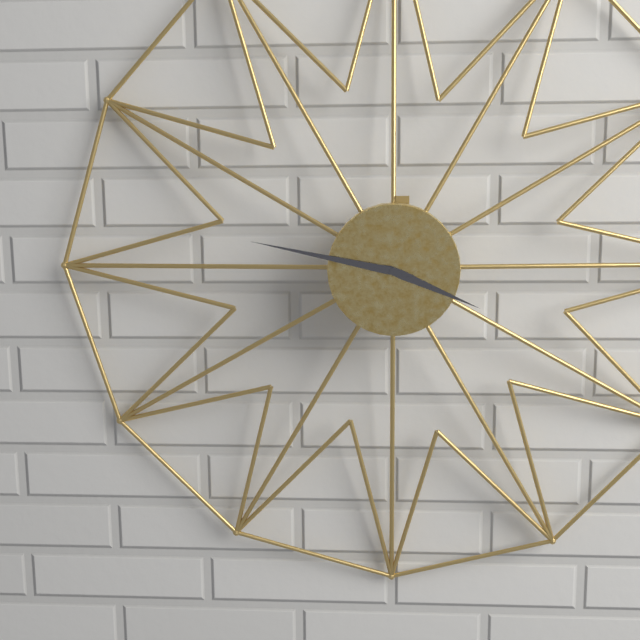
**3:47**
